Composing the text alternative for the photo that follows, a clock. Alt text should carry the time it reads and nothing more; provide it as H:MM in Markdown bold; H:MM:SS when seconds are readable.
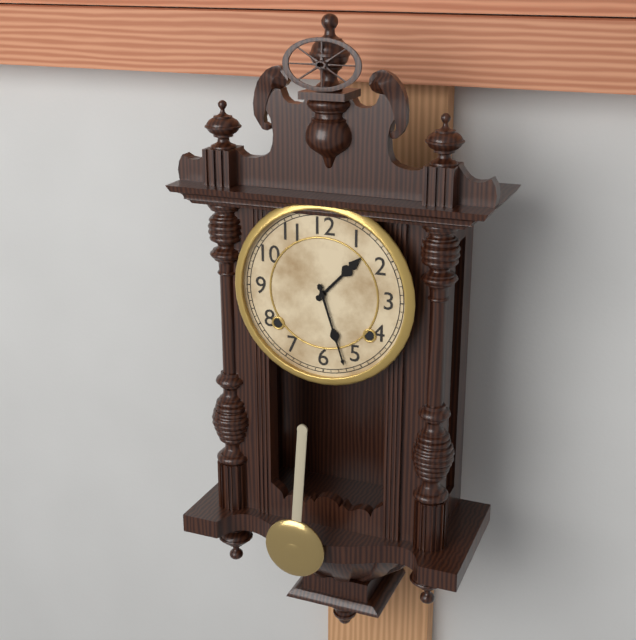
**1:27**
